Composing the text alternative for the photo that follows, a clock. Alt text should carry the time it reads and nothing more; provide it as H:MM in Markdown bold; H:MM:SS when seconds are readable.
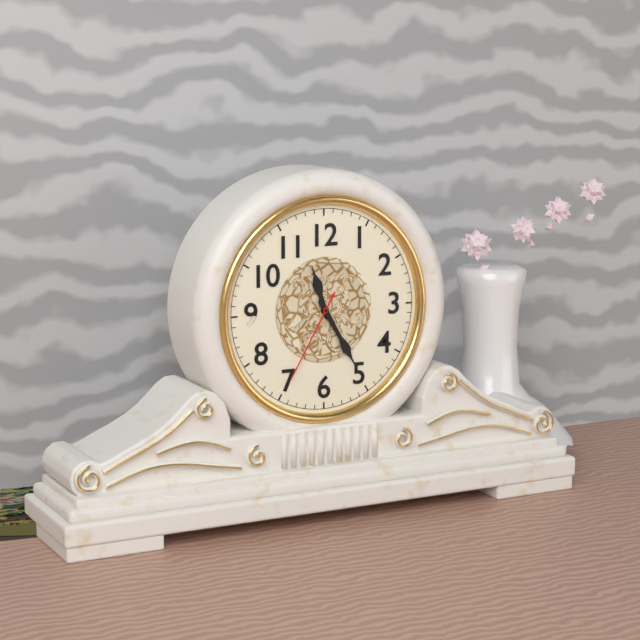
**11:25:35**
